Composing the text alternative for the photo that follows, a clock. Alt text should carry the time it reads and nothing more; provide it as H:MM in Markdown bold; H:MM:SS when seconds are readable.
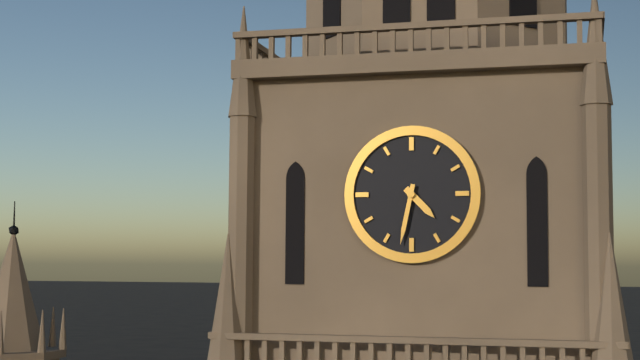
**4:32**
